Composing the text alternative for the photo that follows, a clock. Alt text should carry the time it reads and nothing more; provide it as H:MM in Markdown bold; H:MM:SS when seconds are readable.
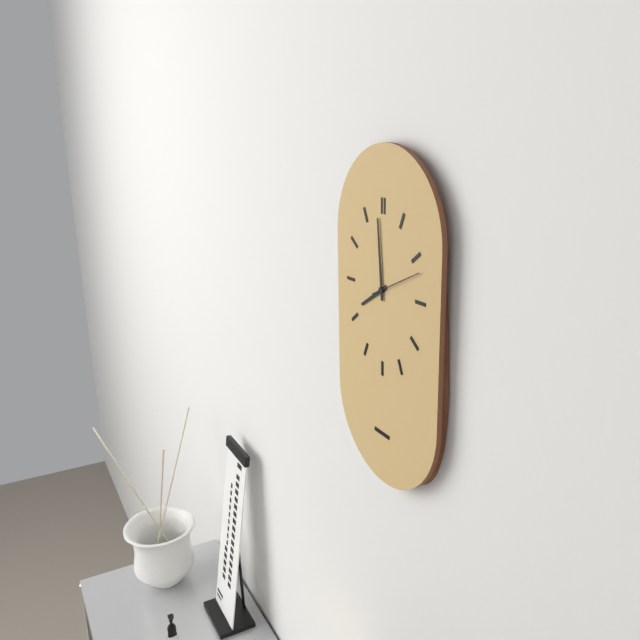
**7:59:11**
